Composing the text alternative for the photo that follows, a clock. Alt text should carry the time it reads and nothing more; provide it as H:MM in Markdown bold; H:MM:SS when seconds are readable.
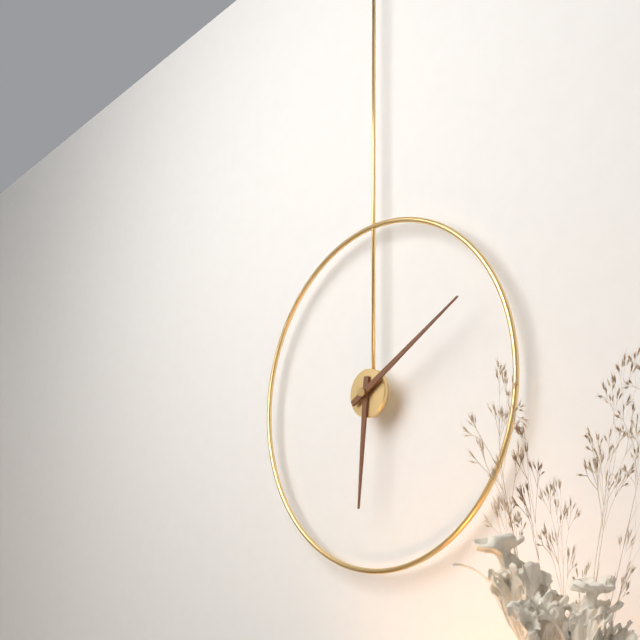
**6:10**
